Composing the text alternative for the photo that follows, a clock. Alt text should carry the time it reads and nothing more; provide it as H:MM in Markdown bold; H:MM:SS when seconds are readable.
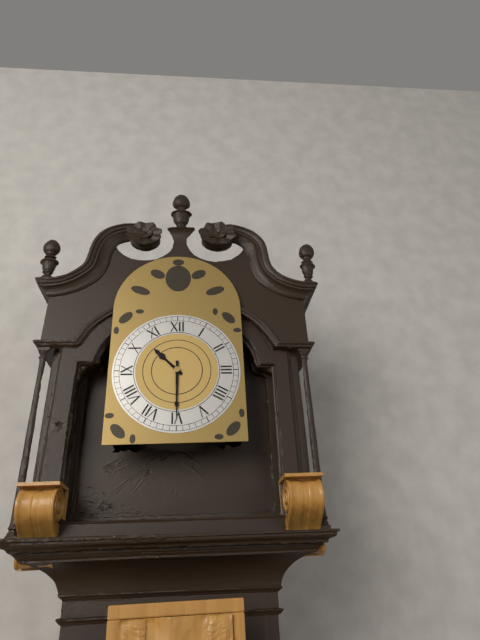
**10:30**
